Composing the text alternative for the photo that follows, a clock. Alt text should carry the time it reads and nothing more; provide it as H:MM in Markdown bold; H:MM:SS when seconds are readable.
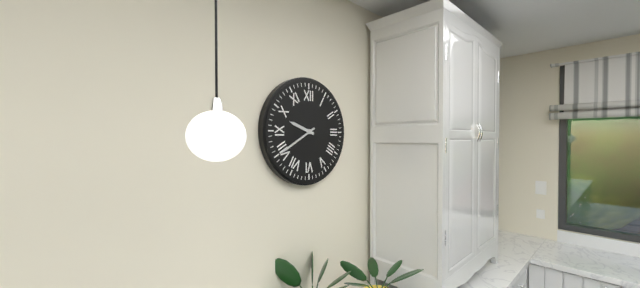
**9:40**
